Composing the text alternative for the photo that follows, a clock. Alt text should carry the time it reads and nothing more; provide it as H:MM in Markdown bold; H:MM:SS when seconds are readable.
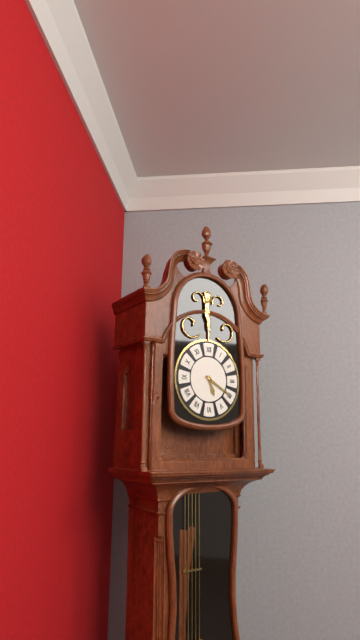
**5:20**
